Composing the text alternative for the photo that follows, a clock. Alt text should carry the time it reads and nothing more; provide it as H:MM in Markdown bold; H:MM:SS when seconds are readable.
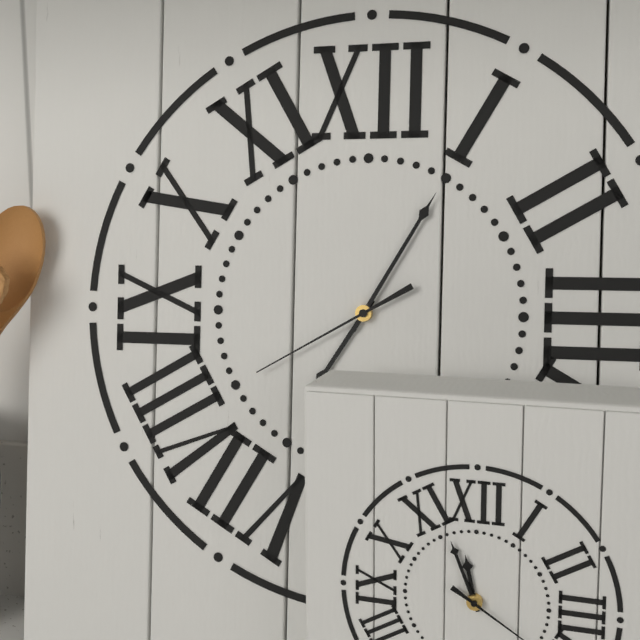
**7:05:40**
